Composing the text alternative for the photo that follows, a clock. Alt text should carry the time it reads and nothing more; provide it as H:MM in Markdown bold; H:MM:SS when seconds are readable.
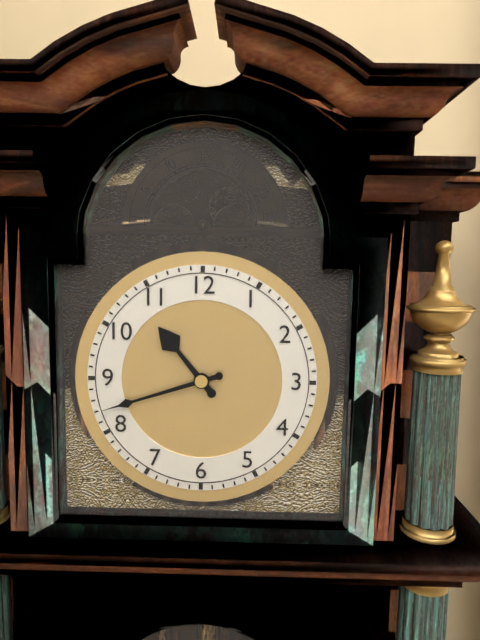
**10:42**
